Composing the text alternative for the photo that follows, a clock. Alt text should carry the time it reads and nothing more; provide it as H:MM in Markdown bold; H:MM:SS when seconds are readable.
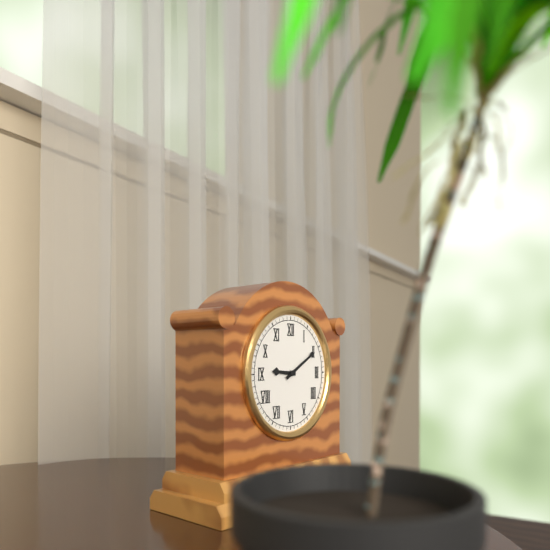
**9:10**
